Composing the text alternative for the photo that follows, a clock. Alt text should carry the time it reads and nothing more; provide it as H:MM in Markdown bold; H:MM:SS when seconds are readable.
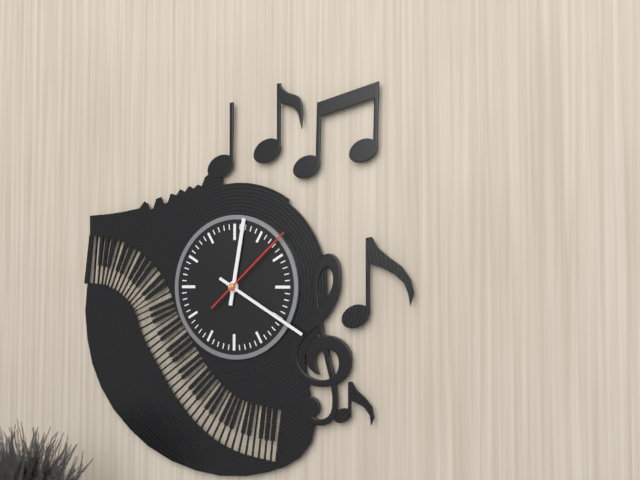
**12:20:08**
